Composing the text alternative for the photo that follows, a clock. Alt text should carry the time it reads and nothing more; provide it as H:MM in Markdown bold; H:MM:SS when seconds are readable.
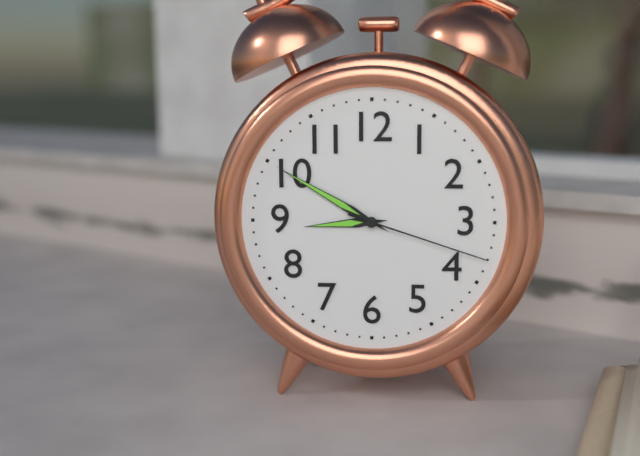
**8:50:18**
